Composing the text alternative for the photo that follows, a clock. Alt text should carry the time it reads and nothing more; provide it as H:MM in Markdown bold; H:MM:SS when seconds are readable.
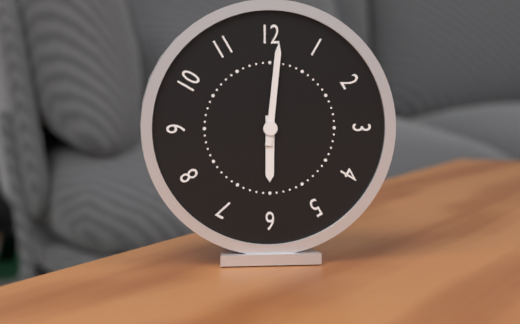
**6:01**
